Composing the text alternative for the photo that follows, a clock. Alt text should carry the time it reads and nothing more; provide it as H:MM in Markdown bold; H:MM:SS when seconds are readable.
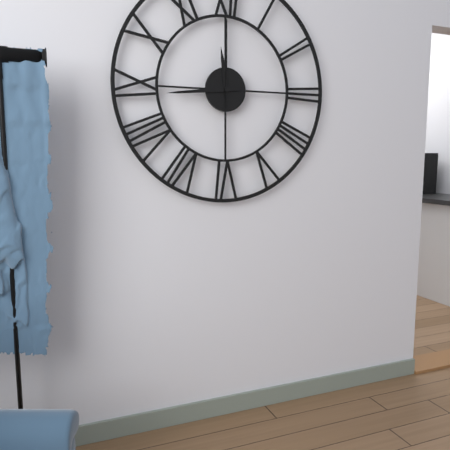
**11:44:00**
